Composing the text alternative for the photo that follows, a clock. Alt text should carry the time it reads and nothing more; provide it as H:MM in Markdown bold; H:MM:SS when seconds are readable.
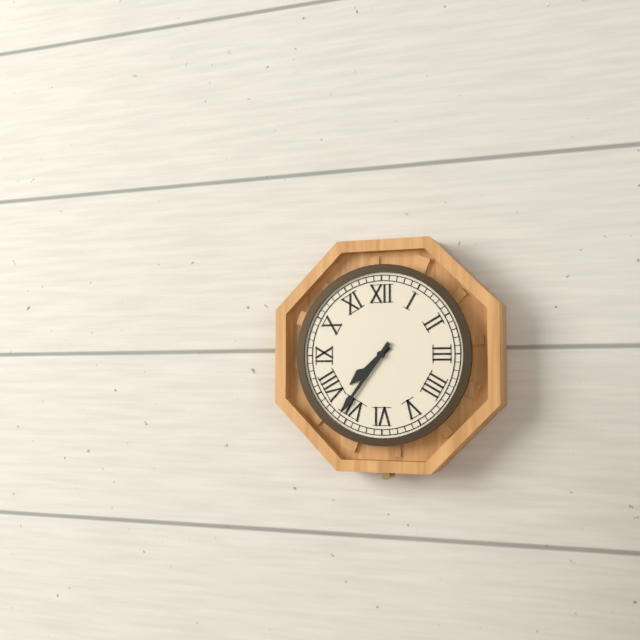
**7:36**
